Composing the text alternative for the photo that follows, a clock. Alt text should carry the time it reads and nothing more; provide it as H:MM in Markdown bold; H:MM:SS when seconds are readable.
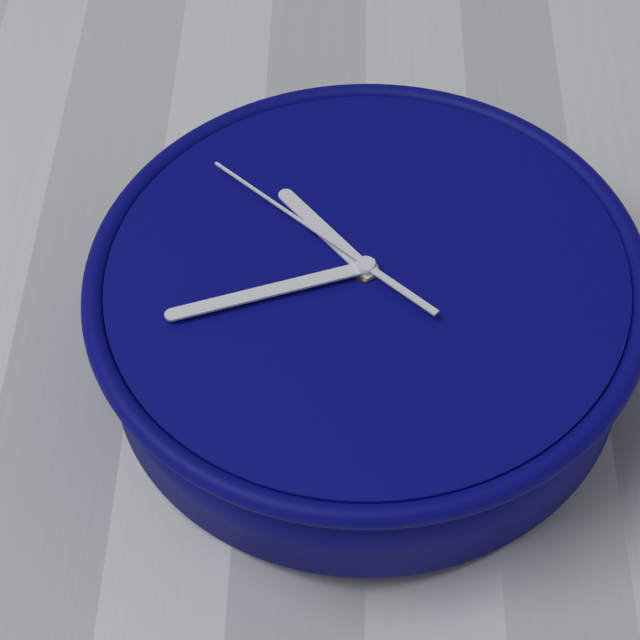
**10:42:52**
